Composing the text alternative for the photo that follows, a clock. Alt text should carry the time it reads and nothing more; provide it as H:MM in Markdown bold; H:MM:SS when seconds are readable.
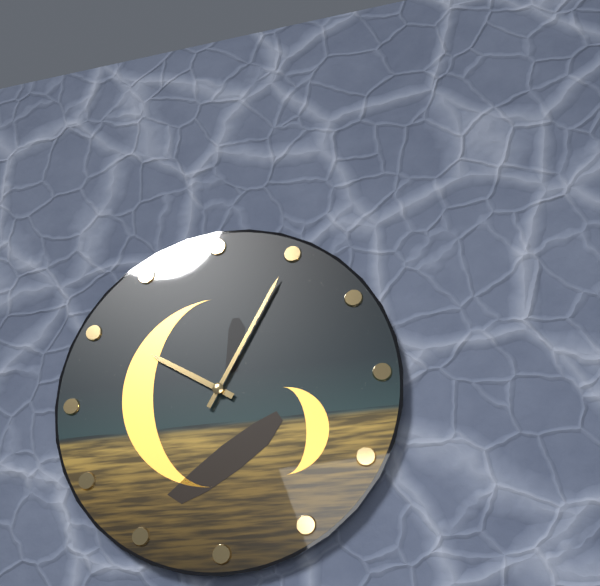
**10:05**
